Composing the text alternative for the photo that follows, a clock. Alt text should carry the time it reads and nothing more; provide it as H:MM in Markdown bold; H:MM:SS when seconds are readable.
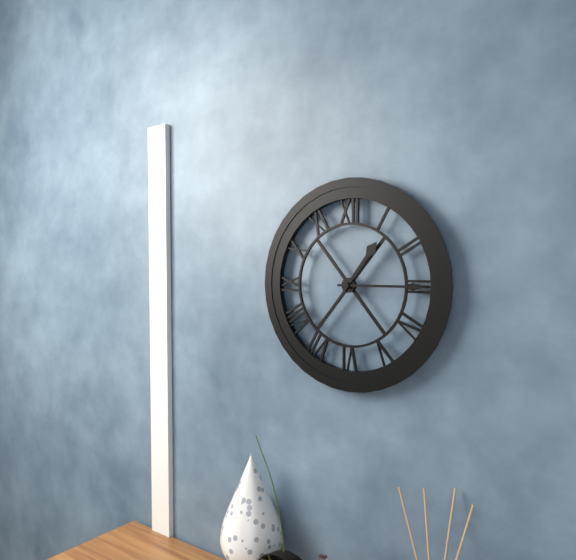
**1:15**
